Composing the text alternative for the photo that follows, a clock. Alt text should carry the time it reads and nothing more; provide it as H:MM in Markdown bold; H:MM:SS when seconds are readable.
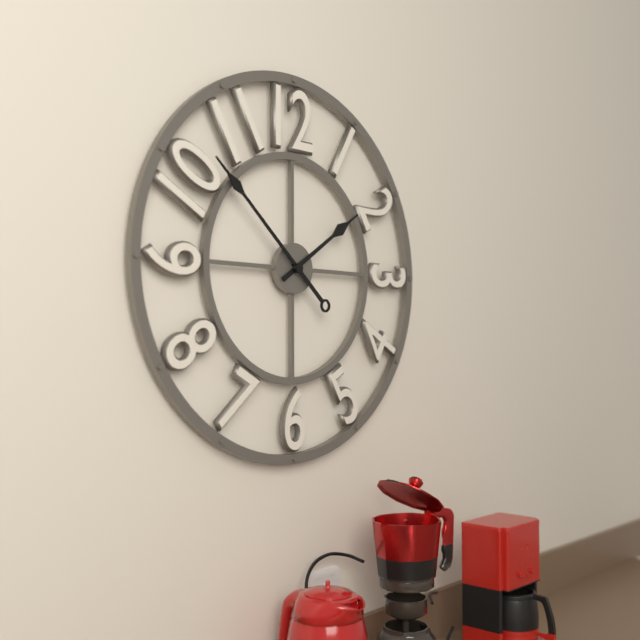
**1:52**
